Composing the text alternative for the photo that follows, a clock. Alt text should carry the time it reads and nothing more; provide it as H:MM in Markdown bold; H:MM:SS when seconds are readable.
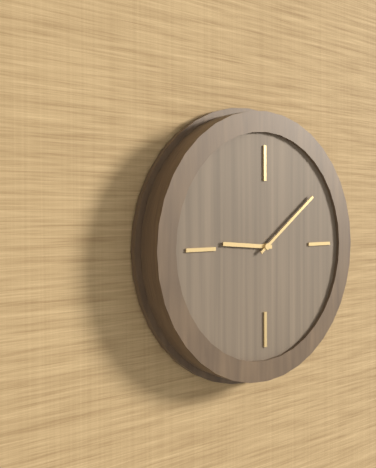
**9:09**
